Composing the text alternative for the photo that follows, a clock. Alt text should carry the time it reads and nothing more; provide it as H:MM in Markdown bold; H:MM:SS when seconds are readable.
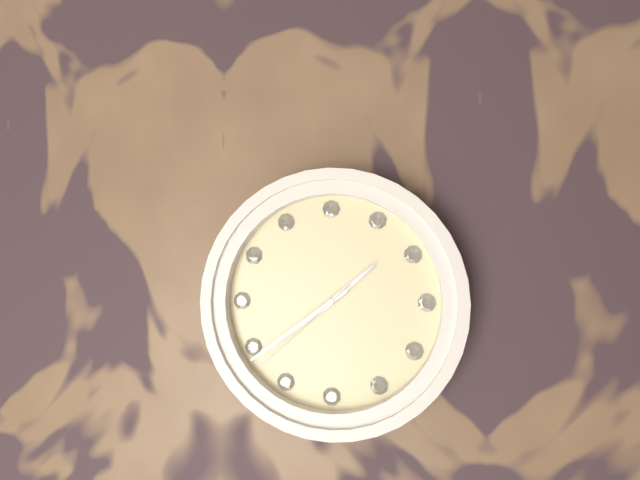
**1:39:38**
